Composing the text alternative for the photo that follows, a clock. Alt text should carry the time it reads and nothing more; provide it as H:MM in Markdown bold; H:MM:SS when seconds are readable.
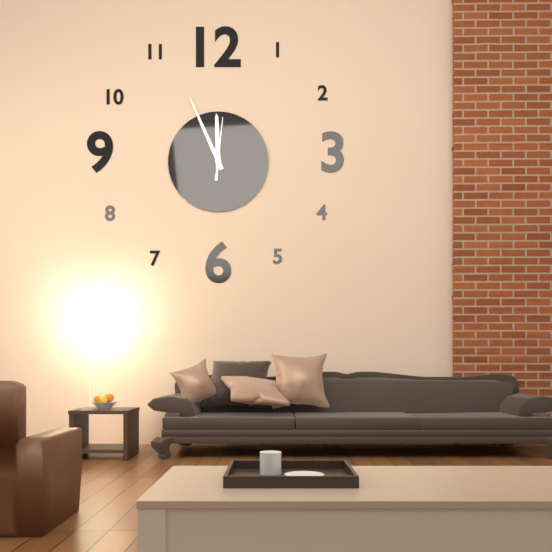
**11:56:01**
